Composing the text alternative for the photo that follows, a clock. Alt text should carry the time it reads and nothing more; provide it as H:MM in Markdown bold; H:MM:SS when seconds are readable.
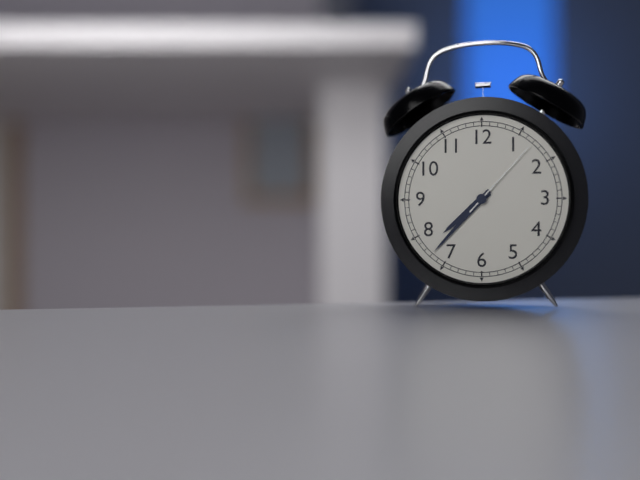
**7:37:07**
